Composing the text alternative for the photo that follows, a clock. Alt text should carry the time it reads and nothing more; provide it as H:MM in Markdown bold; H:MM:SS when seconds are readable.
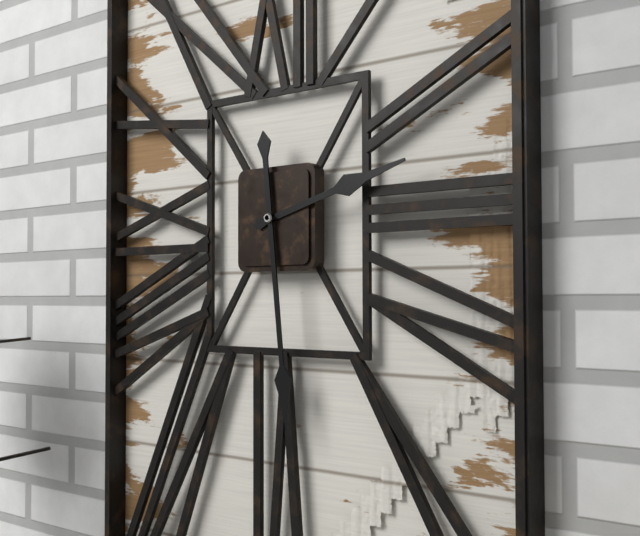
**2:29**
